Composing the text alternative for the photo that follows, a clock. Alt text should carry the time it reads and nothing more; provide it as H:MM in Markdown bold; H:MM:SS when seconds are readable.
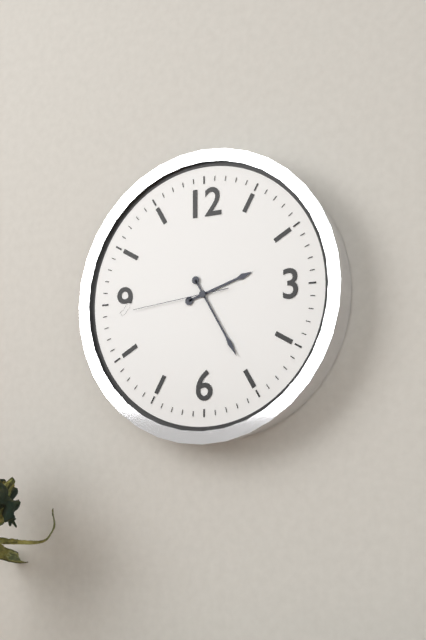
**2:25:44**
